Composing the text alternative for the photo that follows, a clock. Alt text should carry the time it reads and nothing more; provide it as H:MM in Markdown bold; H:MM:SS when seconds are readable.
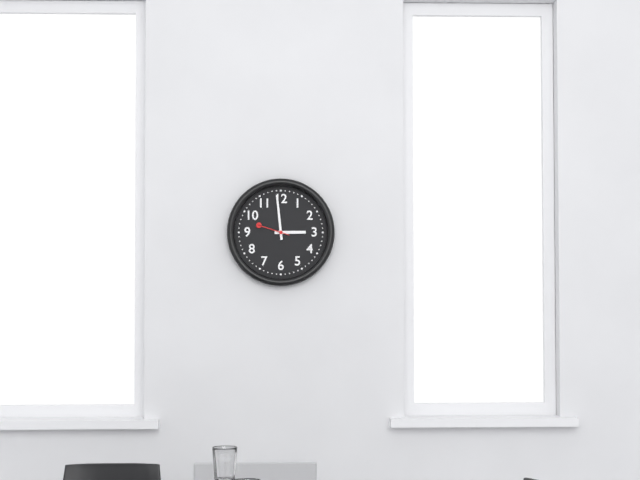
**2:59**
